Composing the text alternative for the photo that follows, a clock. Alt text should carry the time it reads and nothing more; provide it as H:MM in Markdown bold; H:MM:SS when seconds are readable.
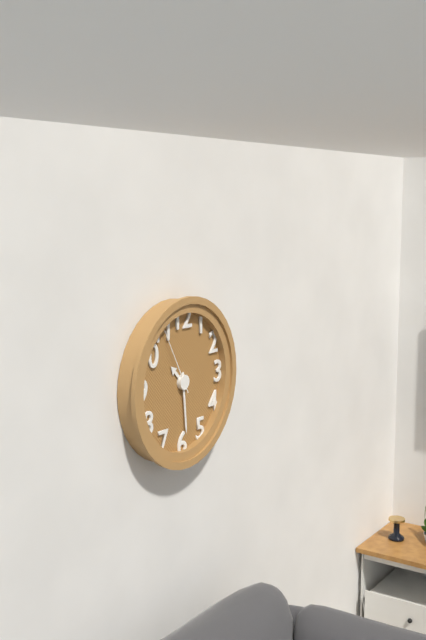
**10:29:55**
